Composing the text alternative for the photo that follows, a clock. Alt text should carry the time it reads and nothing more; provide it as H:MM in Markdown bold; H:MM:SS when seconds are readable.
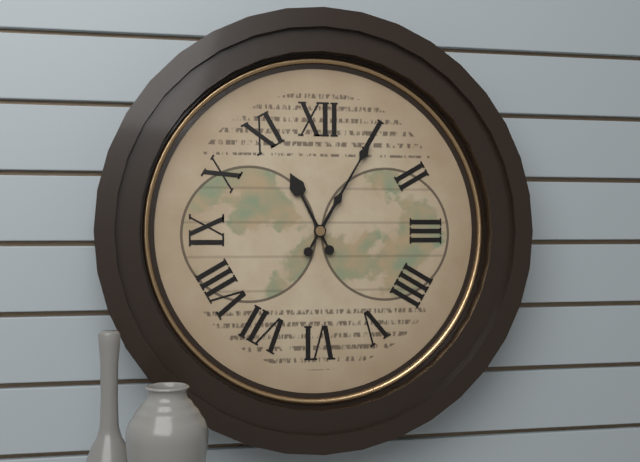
**11:05**
